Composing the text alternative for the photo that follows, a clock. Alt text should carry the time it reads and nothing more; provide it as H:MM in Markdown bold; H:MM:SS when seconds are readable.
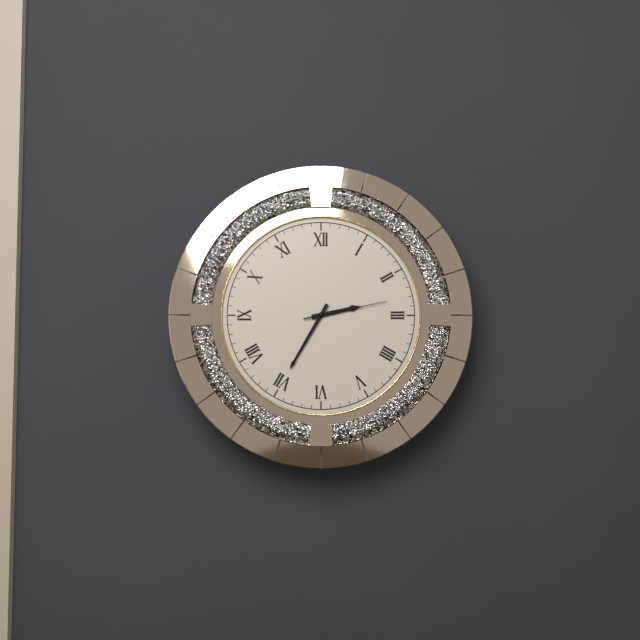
**2:35:13**
